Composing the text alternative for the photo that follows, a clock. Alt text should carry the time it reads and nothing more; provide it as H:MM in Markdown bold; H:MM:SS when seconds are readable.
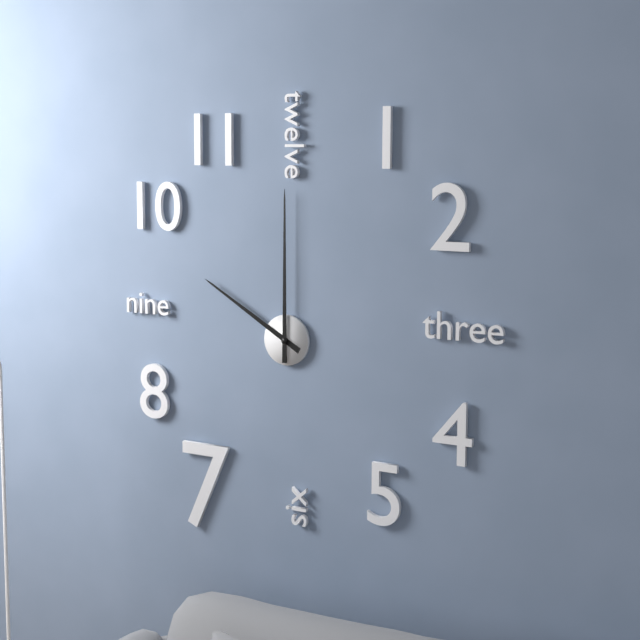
**10:00**
